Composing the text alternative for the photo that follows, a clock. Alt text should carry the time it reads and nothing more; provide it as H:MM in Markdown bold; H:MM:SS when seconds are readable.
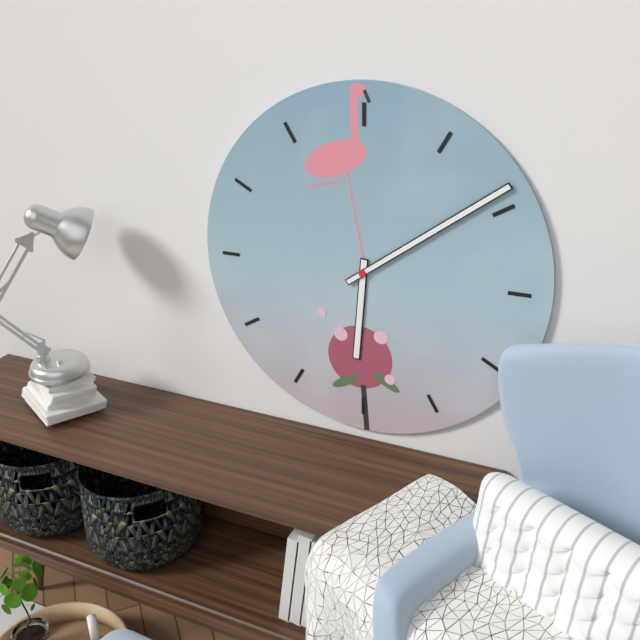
**6:09**
